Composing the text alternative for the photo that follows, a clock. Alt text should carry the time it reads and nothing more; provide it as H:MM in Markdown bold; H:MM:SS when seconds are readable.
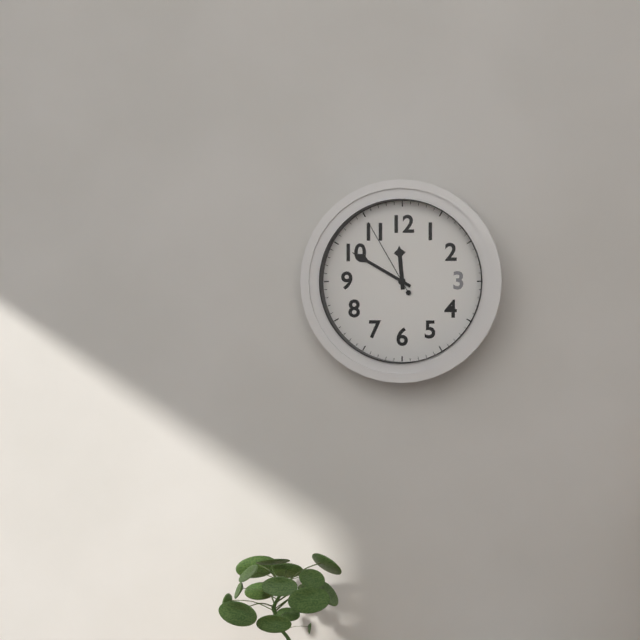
**11:50:55**
